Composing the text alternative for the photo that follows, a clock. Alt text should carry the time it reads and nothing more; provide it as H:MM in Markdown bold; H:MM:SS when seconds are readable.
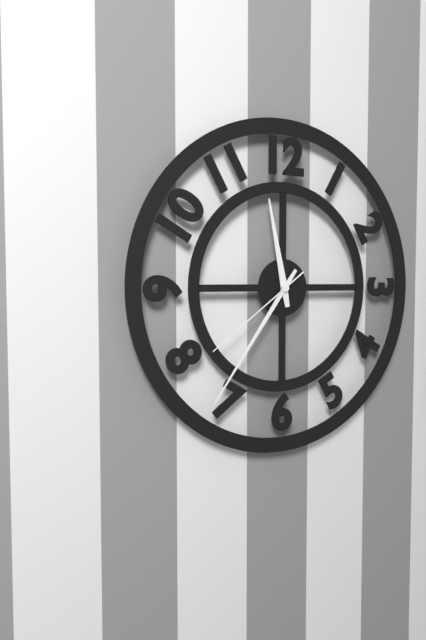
**11:36:39**
